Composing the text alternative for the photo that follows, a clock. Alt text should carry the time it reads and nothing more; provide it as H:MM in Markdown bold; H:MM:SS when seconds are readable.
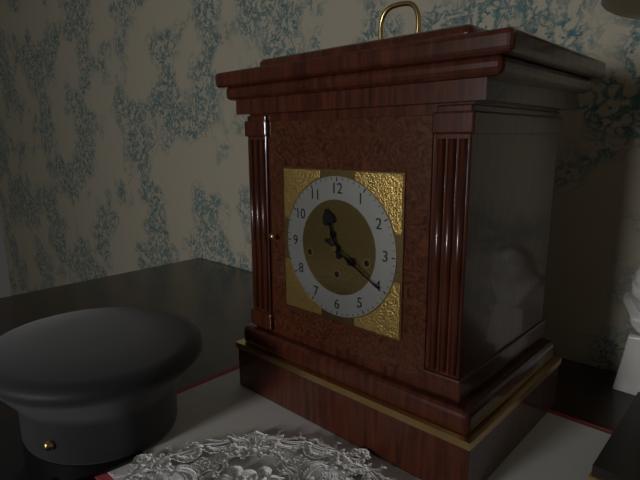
**11:20**
